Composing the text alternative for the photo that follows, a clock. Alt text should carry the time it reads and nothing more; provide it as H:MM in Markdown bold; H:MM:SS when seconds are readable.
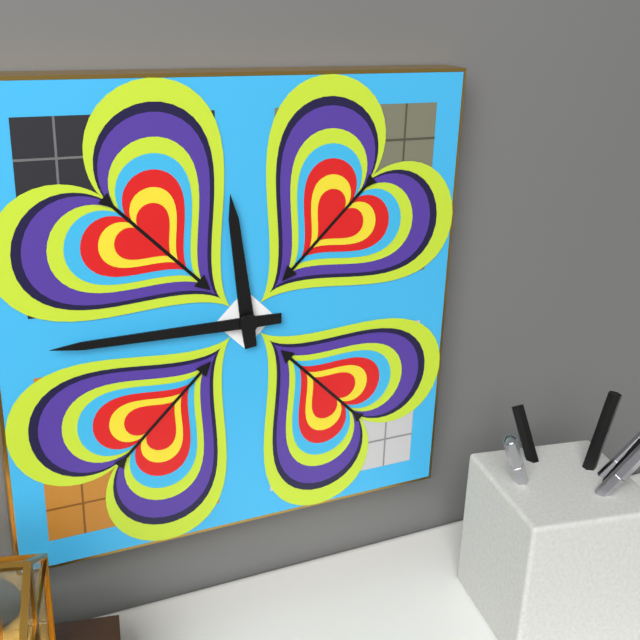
**11:45**
